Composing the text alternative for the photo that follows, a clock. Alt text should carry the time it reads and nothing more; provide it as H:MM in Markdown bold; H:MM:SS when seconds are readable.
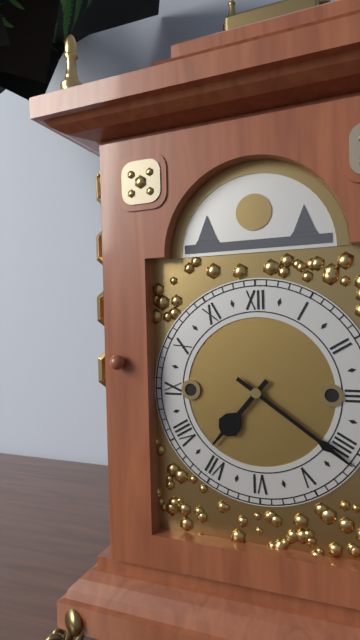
**7:21**
